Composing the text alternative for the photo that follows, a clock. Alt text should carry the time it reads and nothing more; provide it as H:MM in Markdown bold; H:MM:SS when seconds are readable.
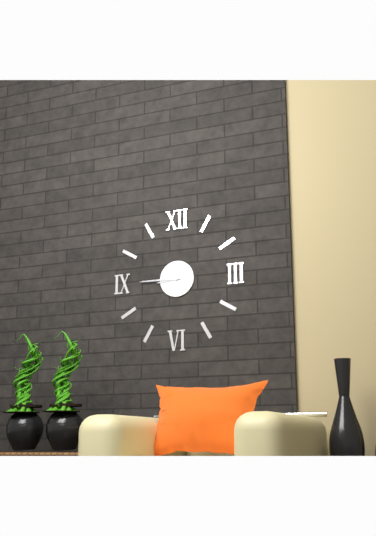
**8:45**
